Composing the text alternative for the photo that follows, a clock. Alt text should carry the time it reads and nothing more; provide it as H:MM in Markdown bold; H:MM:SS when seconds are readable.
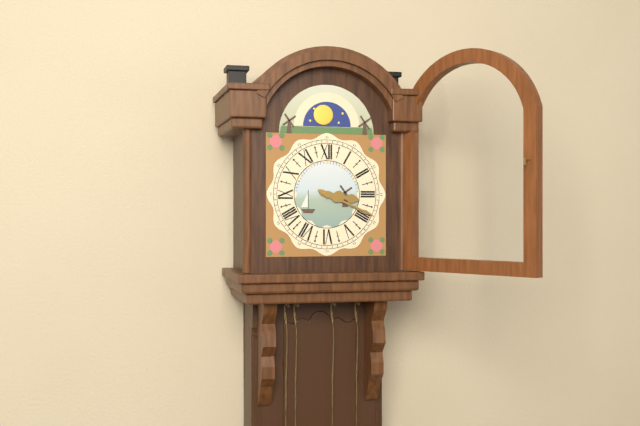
**3:19**
